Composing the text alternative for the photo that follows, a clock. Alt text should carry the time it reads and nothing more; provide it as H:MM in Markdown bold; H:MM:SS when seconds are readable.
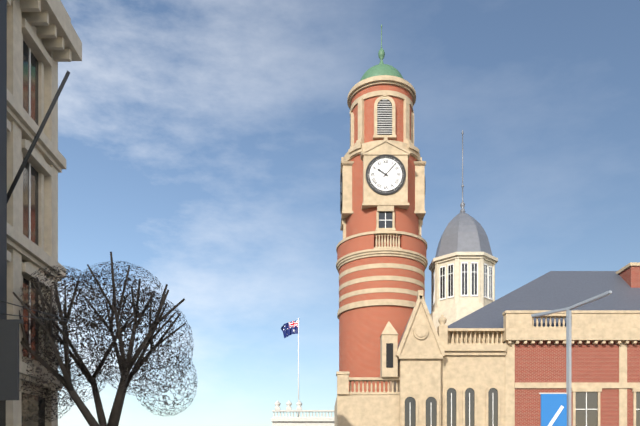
**10:07**
